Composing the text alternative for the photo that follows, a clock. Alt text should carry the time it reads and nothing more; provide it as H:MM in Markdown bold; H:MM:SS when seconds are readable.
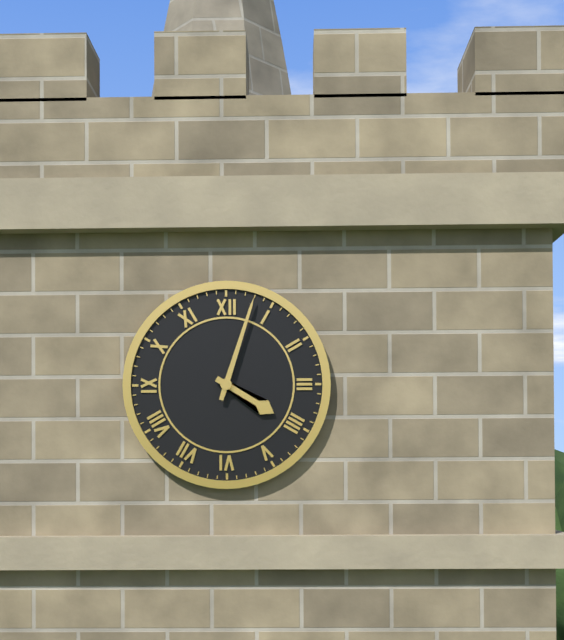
**4:03**
